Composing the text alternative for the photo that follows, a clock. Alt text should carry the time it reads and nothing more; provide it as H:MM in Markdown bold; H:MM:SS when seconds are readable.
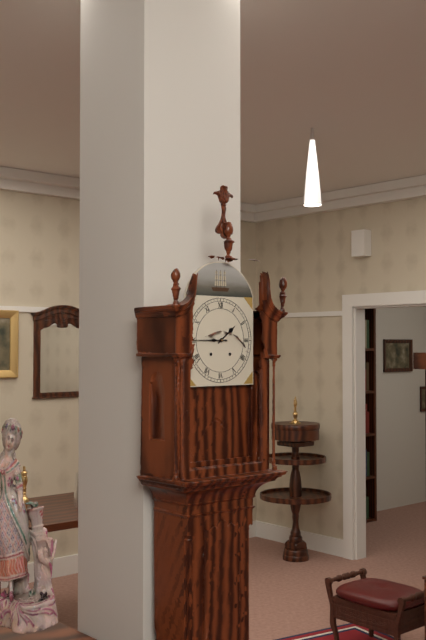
**1:45**
